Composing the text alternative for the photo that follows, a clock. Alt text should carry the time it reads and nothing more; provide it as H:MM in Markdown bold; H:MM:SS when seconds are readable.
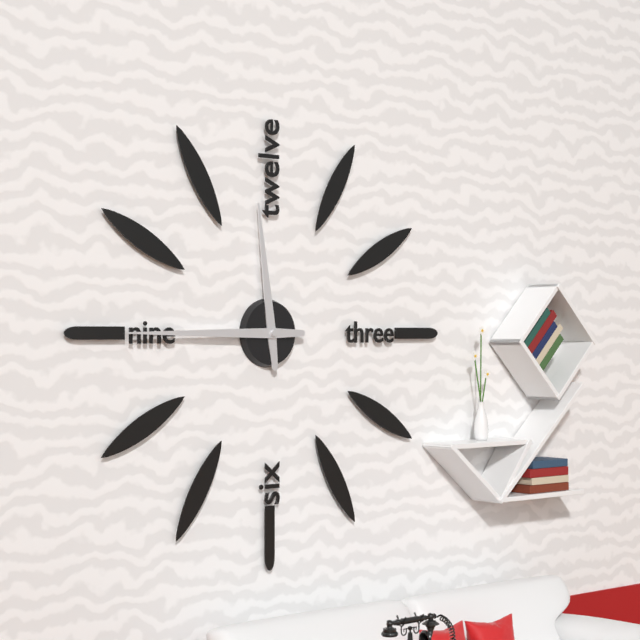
**11:45**
